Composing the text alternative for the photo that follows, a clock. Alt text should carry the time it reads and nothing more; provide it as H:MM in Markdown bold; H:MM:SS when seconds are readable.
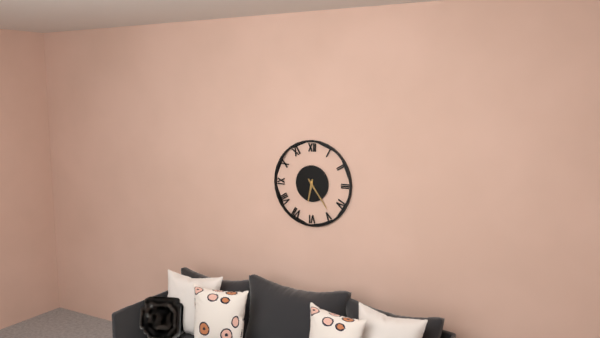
**6:24**
